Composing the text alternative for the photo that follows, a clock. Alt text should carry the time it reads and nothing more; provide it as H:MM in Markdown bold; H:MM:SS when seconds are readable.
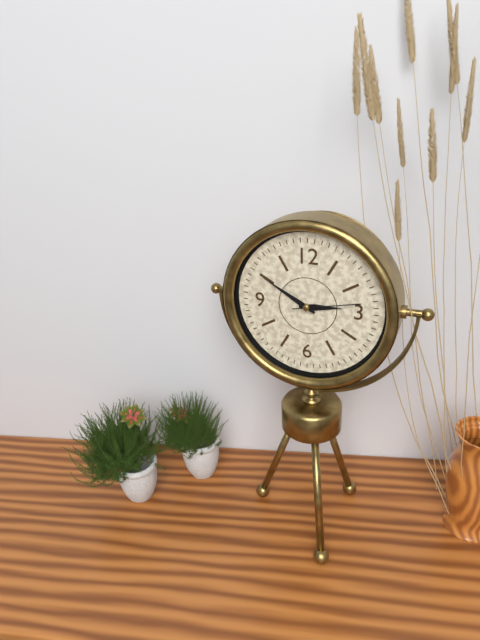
**2:50:13**
